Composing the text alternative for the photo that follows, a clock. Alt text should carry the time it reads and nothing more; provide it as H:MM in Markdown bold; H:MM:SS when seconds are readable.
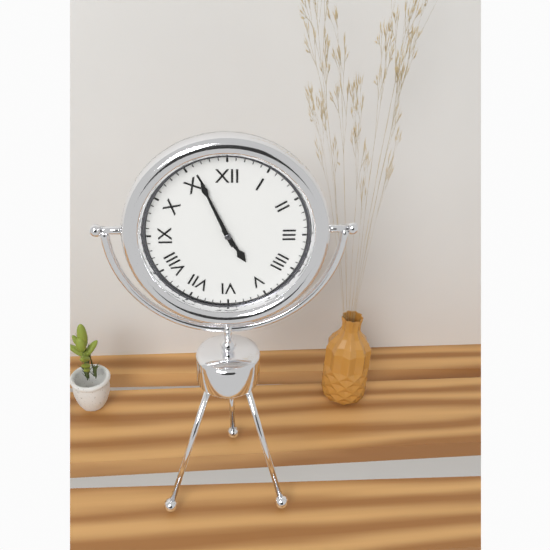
**4:56**
